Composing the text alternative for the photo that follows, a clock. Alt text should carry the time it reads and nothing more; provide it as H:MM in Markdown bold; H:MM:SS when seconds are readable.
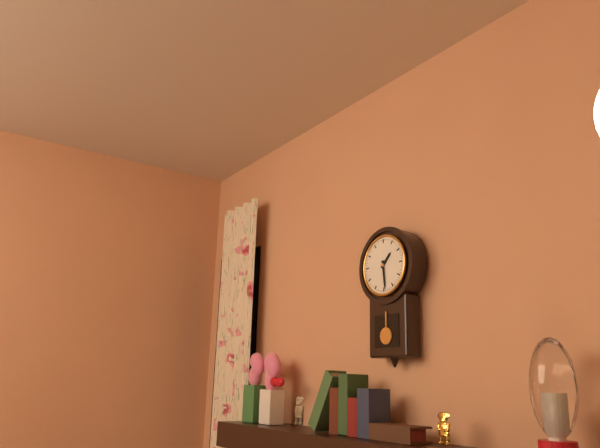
**1:29**
